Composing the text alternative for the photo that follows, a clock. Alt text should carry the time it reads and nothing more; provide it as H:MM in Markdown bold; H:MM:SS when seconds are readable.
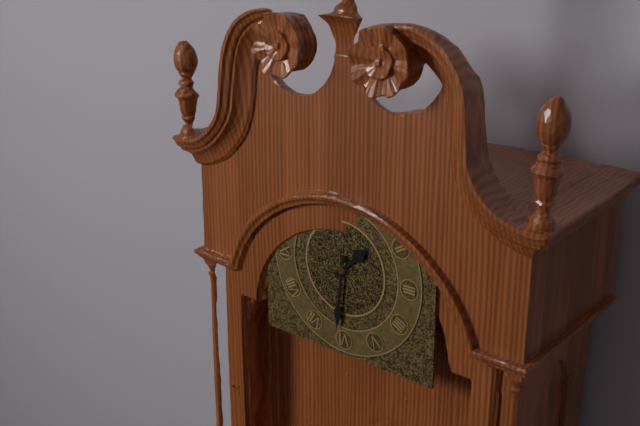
**1:31**
